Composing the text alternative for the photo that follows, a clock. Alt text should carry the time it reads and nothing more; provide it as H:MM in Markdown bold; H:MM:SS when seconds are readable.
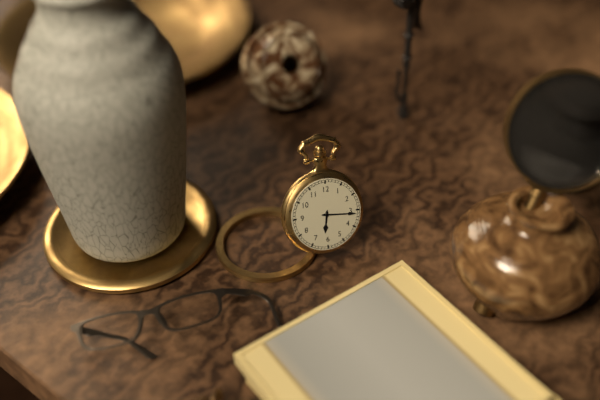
**6:16**
